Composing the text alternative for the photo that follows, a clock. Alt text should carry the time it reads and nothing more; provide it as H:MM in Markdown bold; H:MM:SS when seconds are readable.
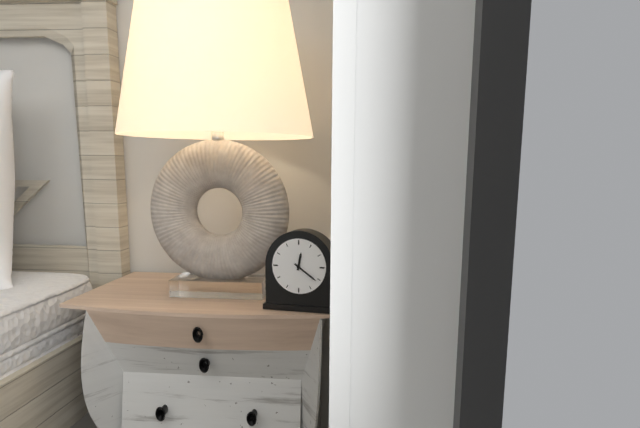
**12:21**
